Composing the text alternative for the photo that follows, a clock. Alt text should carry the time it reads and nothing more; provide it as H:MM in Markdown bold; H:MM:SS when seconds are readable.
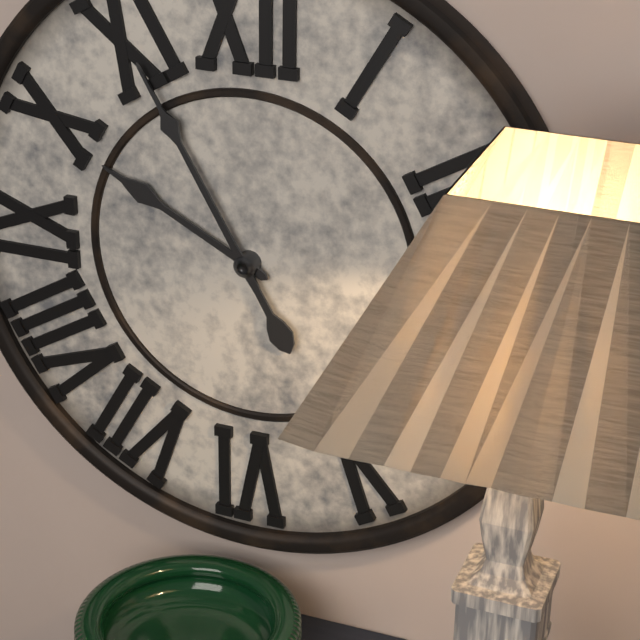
**9:55**
